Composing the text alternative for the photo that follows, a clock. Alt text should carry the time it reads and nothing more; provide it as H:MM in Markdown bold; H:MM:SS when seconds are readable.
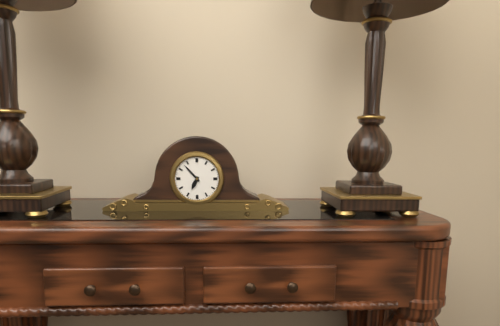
**6:53**
